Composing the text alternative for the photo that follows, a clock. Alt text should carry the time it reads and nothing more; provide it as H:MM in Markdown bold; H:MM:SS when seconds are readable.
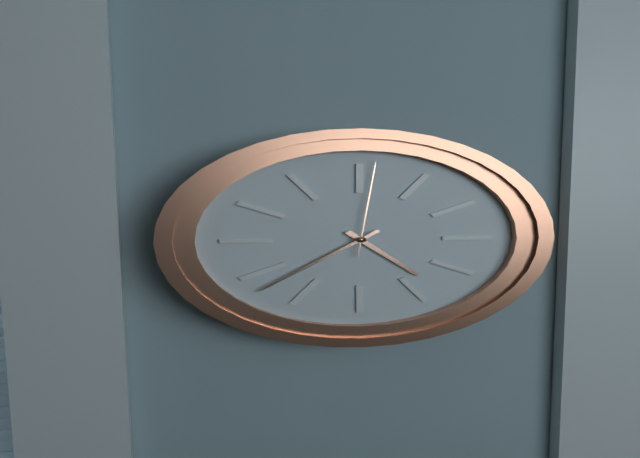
**4:38:01**
